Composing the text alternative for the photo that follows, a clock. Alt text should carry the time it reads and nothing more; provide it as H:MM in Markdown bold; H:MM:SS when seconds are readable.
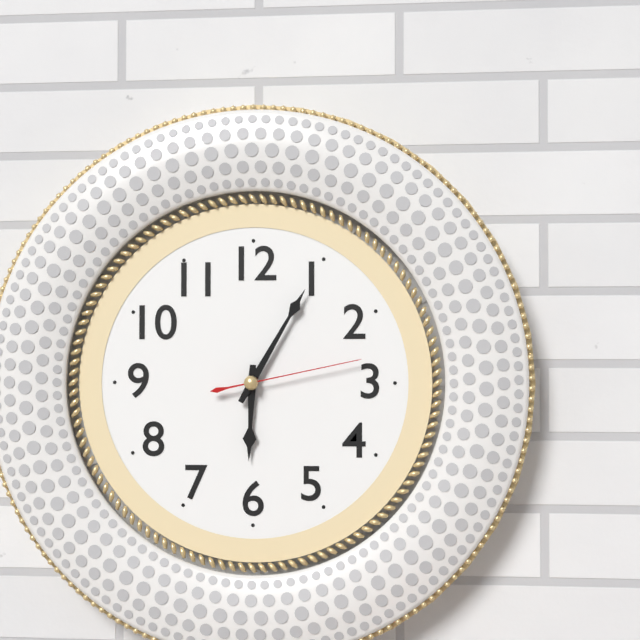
**6:05:13**
